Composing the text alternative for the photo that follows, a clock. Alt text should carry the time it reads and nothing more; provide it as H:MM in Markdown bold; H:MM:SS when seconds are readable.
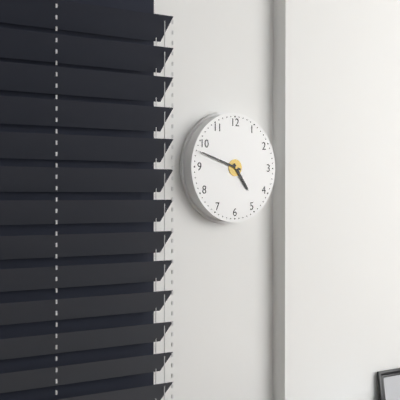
**4:48**
